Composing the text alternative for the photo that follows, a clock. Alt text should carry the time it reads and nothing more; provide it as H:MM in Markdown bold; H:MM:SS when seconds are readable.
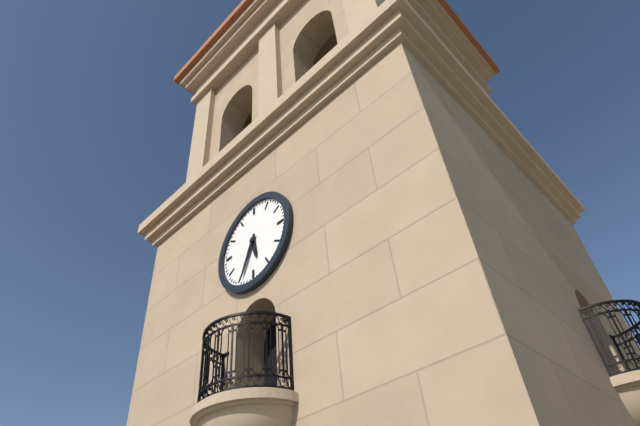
**5:34**
